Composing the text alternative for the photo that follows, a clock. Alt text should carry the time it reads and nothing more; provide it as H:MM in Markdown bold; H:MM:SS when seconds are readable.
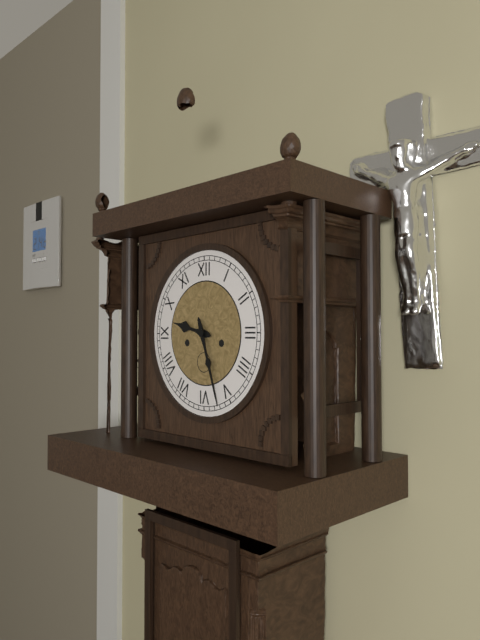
**9:27**
